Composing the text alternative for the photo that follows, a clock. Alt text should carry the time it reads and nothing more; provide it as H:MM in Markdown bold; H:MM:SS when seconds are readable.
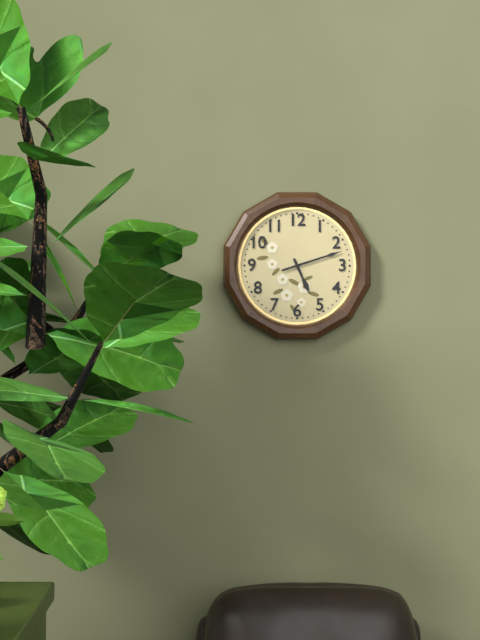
**5:12**
